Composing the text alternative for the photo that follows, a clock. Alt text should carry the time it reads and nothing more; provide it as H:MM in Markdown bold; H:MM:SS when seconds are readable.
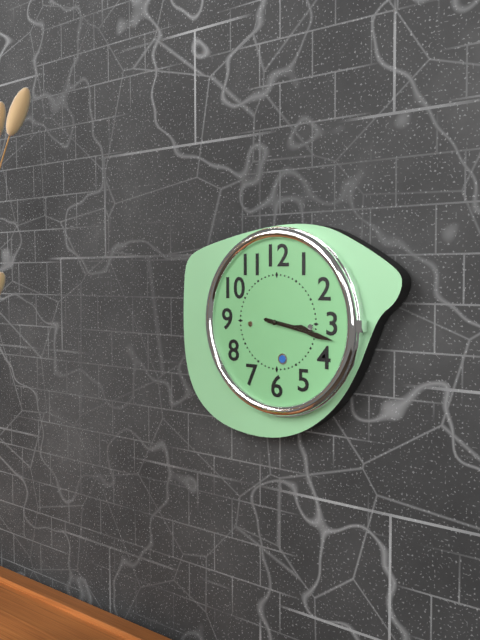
**3:17**
